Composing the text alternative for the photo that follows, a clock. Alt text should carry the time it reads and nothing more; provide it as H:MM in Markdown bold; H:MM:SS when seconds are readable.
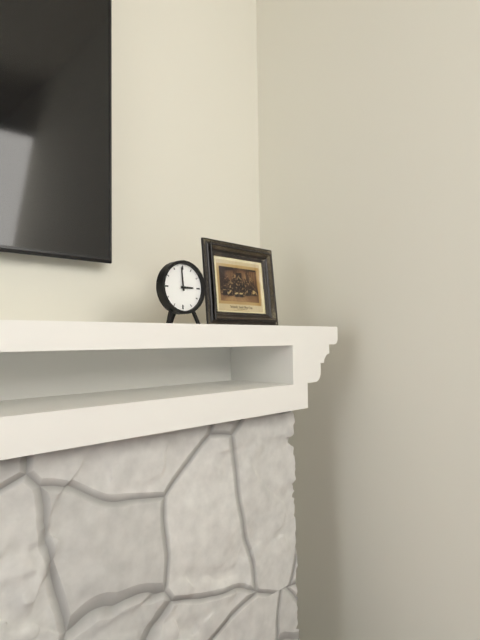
**2:59**
